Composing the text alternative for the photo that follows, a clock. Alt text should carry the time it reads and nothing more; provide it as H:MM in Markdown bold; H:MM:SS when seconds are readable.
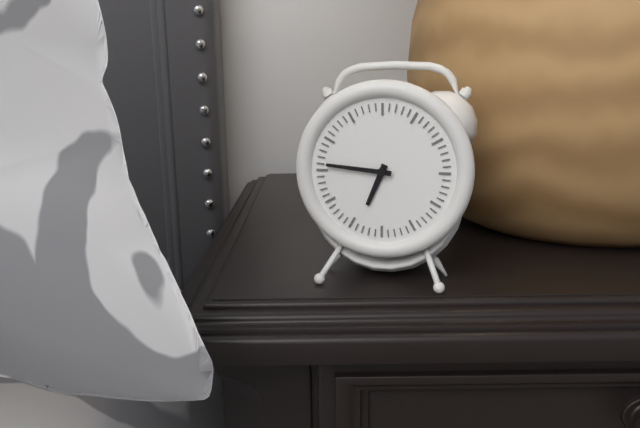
**6:46**
